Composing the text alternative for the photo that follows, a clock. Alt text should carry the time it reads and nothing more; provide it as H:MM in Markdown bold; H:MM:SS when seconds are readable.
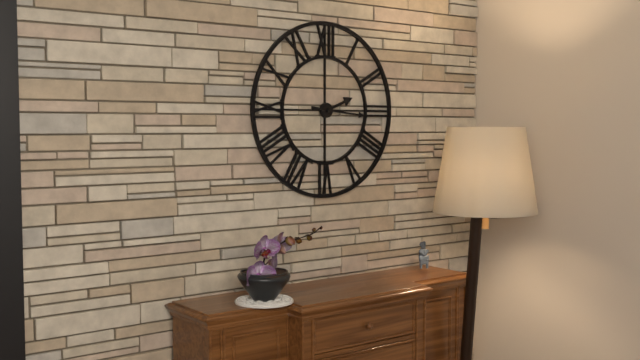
**2:16**
